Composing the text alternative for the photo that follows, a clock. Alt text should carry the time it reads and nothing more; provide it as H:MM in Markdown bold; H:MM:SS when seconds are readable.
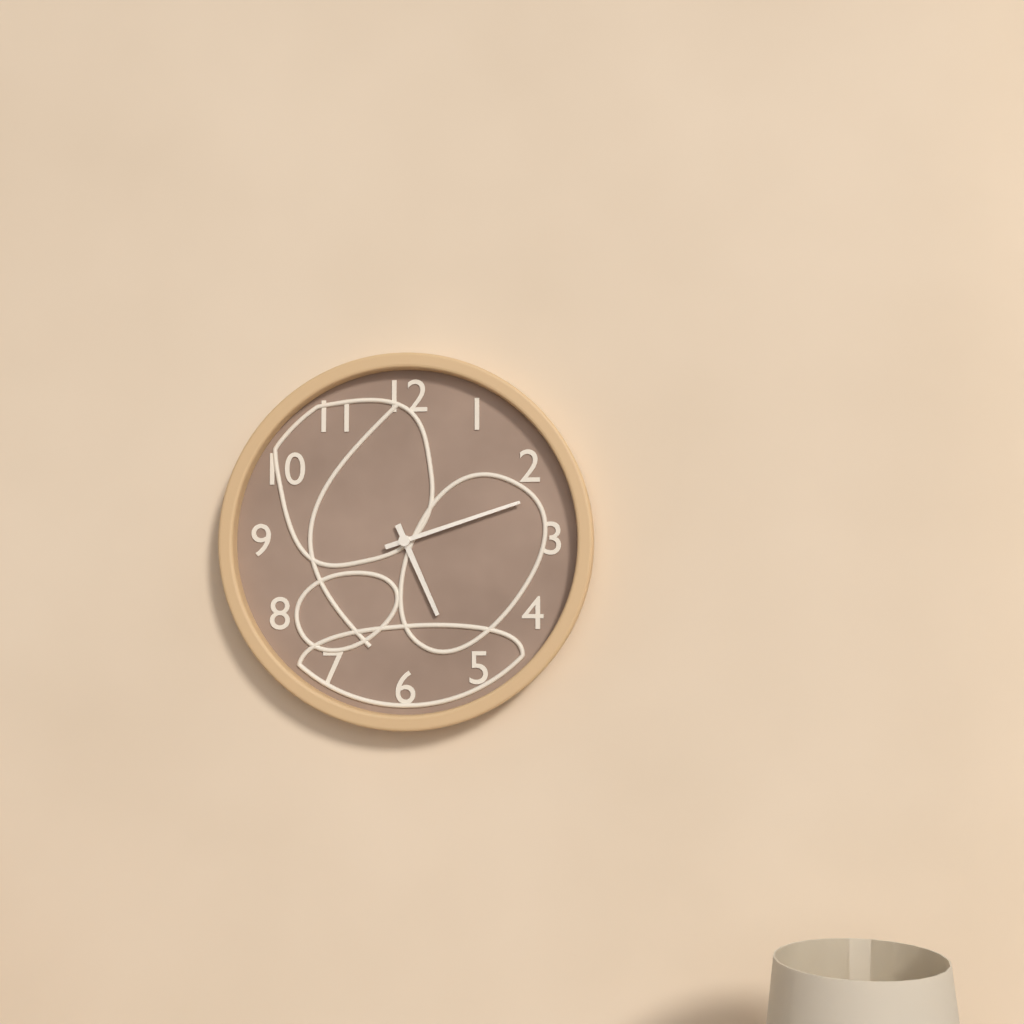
**5:12**
